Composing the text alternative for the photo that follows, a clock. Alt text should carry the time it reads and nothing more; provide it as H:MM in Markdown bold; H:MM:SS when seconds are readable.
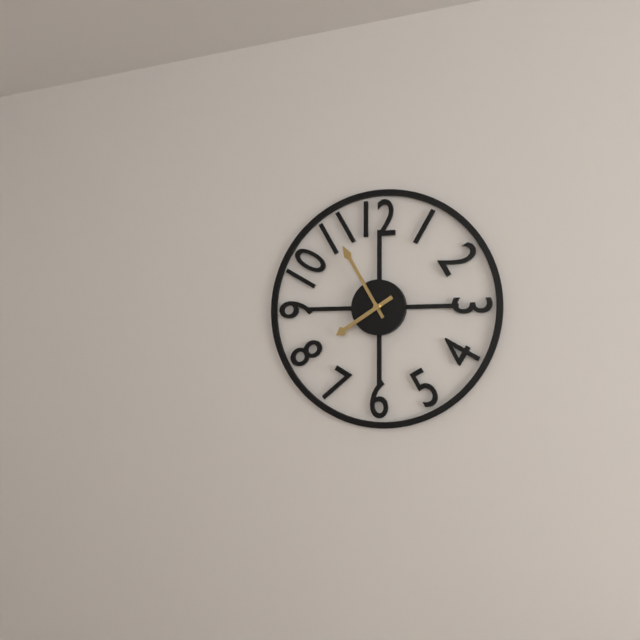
**7:55**
